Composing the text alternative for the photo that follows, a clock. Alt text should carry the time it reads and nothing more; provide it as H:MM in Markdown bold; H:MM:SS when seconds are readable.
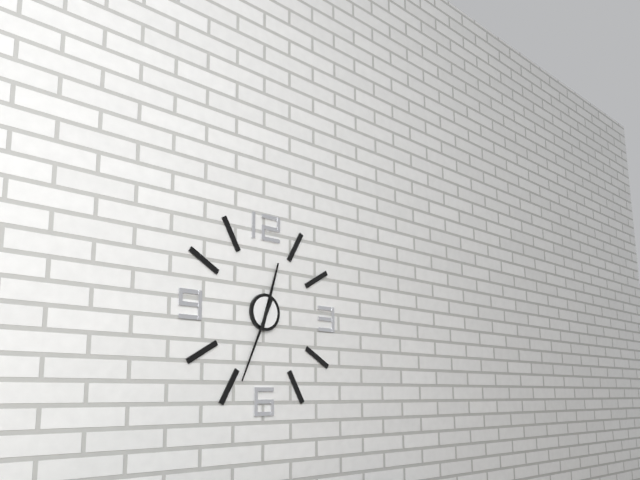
**12:34**
